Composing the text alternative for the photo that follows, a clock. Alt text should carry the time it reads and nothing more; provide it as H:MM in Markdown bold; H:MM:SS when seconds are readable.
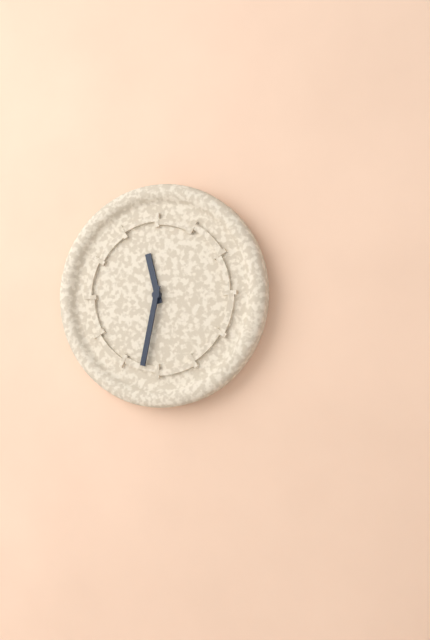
**11:32**
